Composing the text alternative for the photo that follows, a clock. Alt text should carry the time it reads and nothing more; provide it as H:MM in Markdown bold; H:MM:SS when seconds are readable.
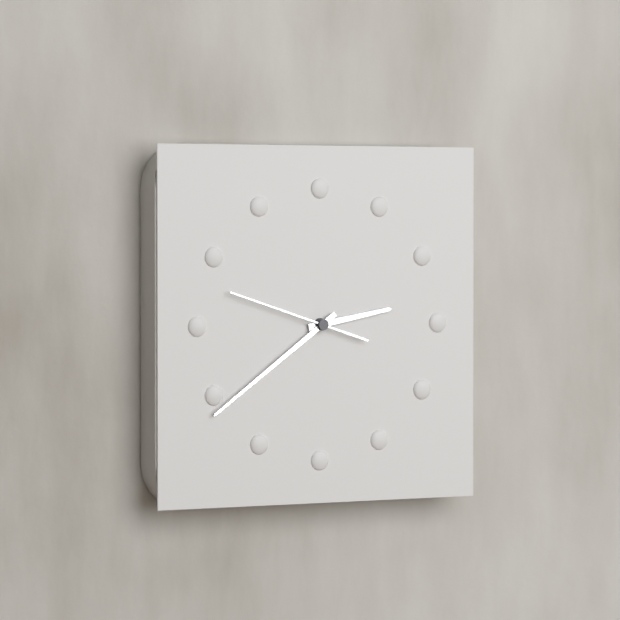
**2:39:48**
